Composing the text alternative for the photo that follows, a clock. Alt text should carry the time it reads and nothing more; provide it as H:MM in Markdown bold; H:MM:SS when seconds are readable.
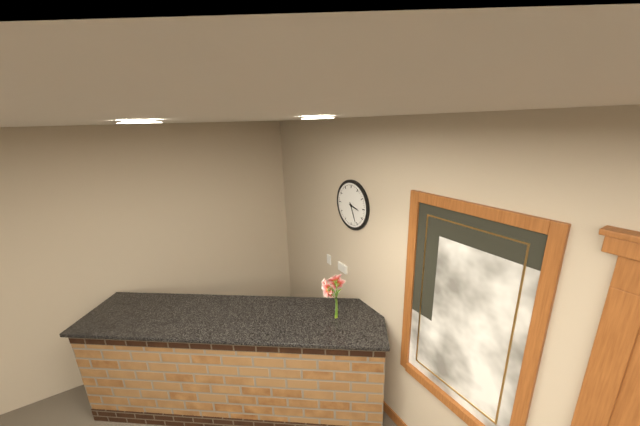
**3:26**
